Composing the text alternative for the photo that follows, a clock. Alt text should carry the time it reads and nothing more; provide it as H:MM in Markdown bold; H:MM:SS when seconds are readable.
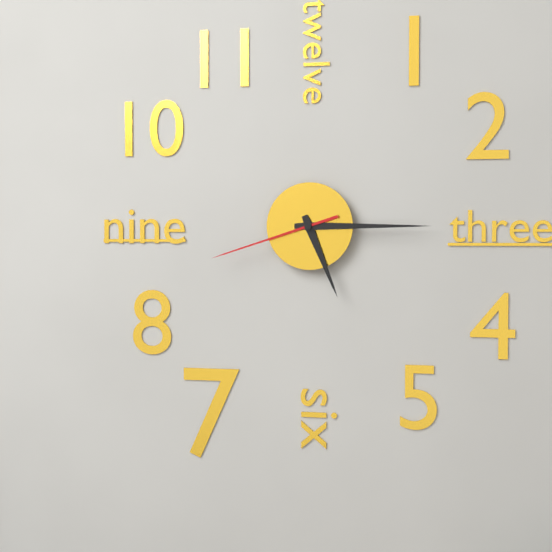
**5:15:42**
